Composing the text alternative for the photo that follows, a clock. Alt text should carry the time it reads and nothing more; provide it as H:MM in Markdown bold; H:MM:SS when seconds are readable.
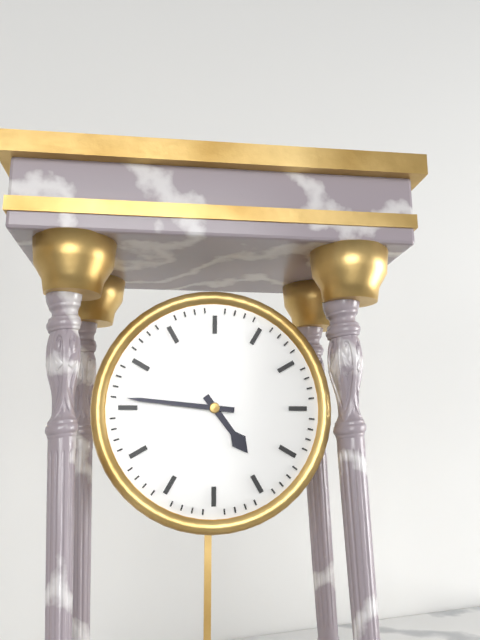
**4:46**
